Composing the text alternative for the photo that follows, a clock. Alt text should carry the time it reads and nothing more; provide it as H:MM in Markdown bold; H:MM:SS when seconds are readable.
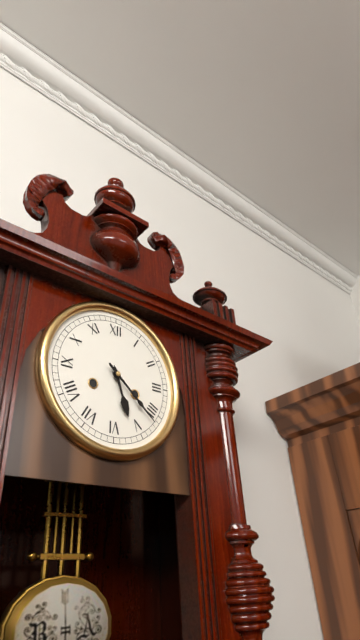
**5:22**
